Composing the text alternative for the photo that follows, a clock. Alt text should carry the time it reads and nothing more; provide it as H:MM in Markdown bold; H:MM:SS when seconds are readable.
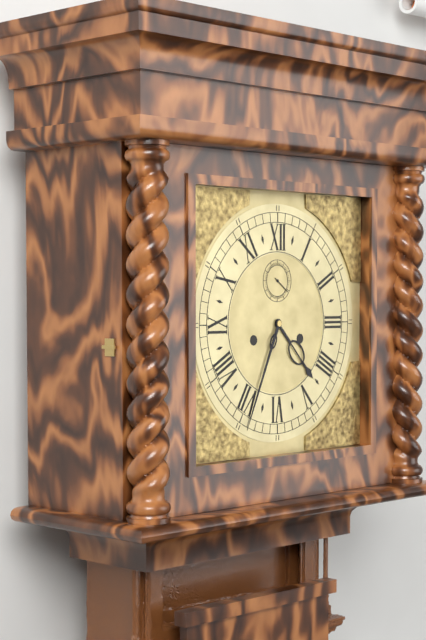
**4:34**
